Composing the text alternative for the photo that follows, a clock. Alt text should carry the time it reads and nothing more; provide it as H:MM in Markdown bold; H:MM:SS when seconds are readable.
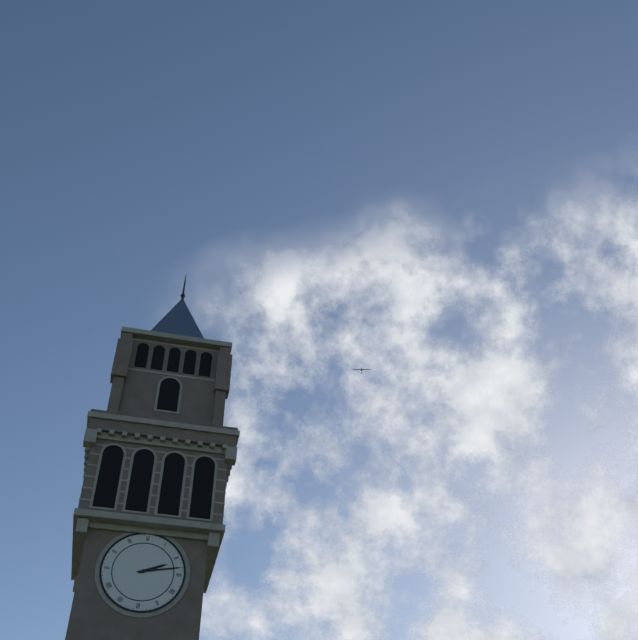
**2:13**
